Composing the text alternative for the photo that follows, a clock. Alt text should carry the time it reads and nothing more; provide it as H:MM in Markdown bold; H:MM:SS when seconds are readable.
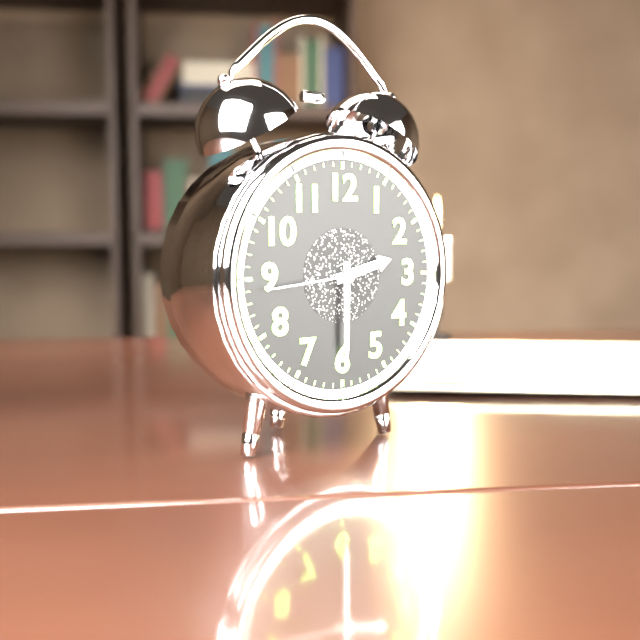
**2:30:44**
